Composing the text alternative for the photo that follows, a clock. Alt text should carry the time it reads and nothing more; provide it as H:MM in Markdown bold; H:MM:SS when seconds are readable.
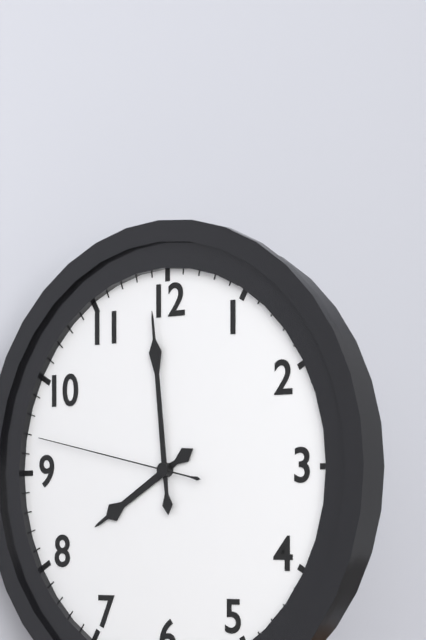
**7:59:47**
